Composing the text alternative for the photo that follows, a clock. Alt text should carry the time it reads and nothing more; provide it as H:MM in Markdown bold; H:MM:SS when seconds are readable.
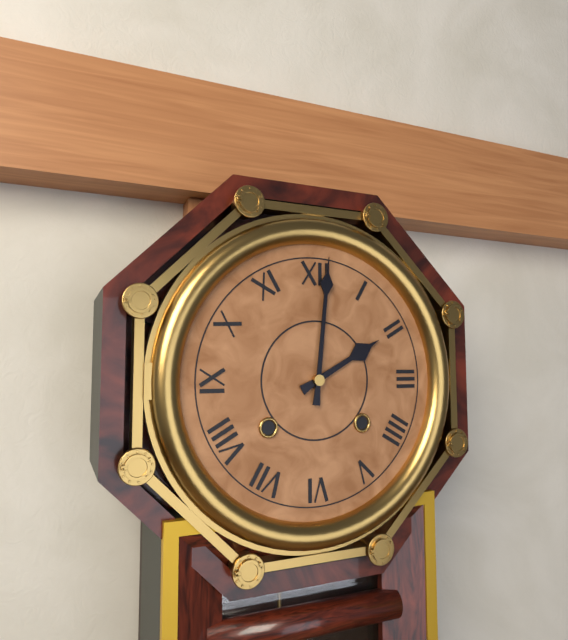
**2:01**
